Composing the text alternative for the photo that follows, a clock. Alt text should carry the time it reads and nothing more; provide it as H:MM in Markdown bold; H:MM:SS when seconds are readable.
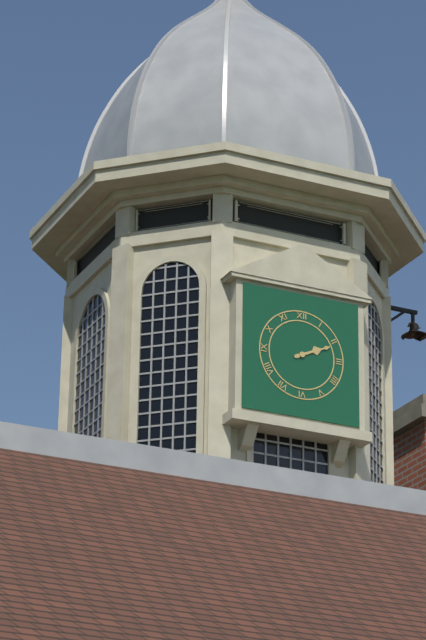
**2:11**
